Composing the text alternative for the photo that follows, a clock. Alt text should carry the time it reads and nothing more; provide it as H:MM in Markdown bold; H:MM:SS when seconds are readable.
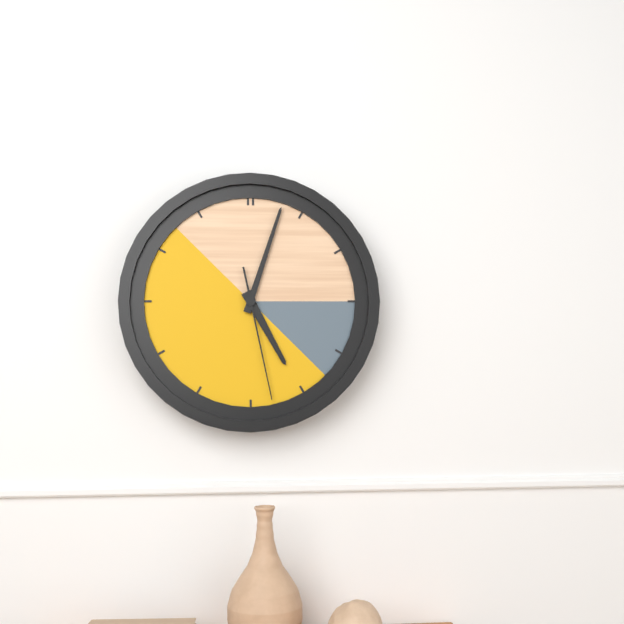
**5:03:28**
